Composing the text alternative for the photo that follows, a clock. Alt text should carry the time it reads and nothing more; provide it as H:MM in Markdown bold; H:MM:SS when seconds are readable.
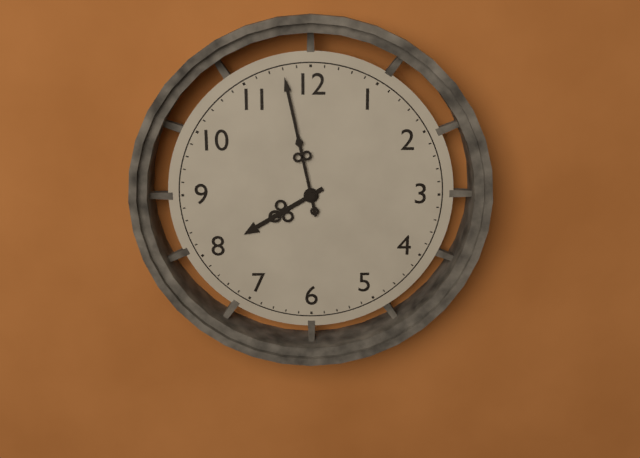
**7:58**
